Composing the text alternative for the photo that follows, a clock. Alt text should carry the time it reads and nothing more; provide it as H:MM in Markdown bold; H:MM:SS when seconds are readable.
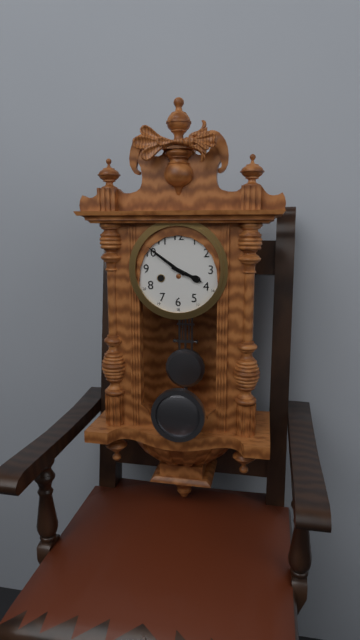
**3:51**
